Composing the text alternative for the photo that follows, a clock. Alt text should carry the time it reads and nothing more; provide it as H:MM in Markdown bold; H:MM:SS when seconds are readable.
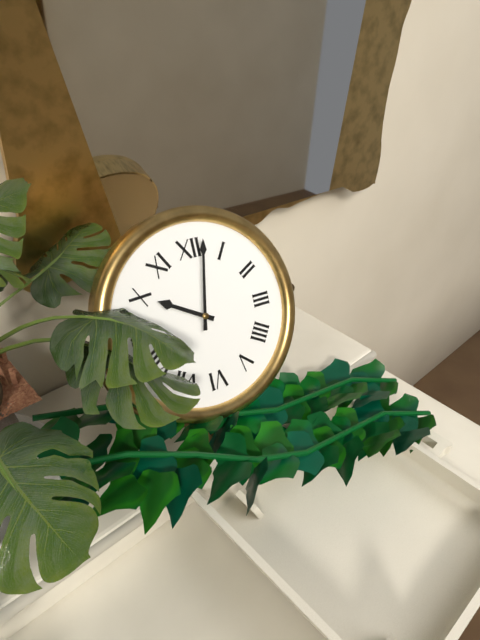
**10:02**
